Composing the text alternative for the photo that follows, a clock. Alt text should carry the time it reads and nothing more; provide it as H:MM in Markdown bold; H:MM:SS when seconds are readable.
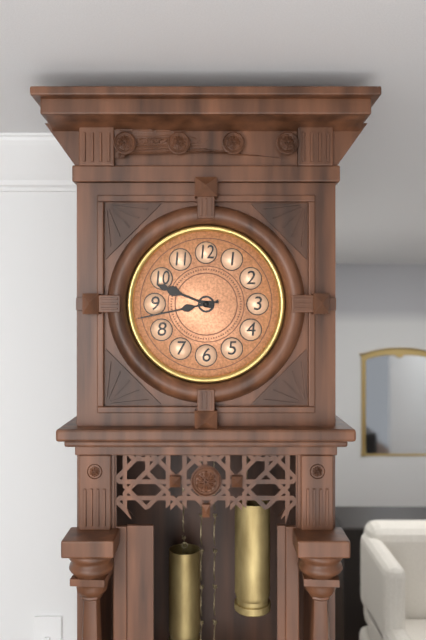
**9:43**
